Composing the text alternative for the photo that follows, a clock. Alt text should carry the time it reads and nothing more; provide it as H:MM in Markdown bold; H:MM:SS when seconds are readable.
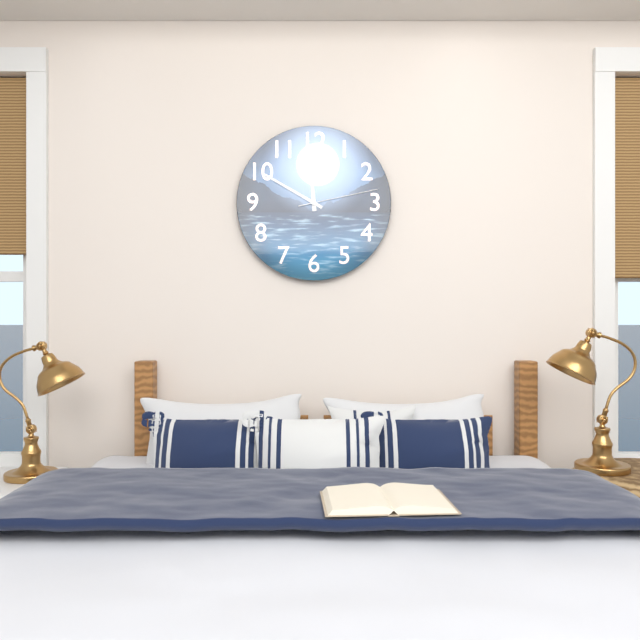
**11:50:13**
